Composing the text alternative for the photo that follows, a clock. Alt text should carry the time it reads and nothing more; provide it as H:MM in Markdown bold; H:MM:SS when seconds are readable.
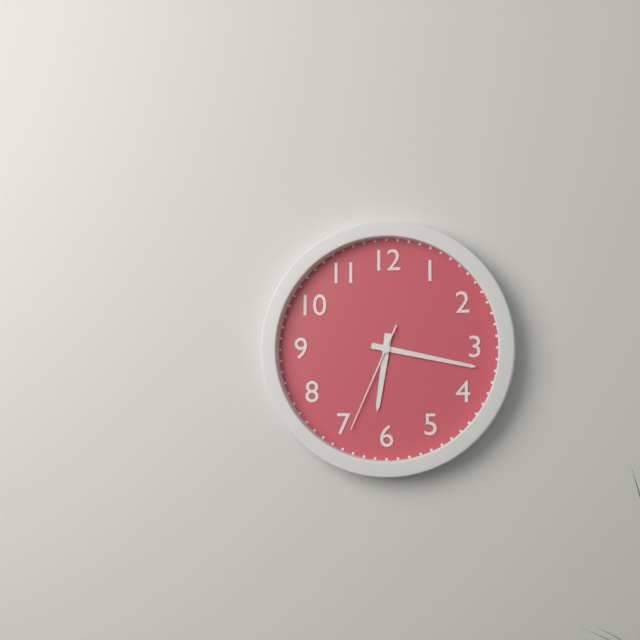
**6:17:34**
